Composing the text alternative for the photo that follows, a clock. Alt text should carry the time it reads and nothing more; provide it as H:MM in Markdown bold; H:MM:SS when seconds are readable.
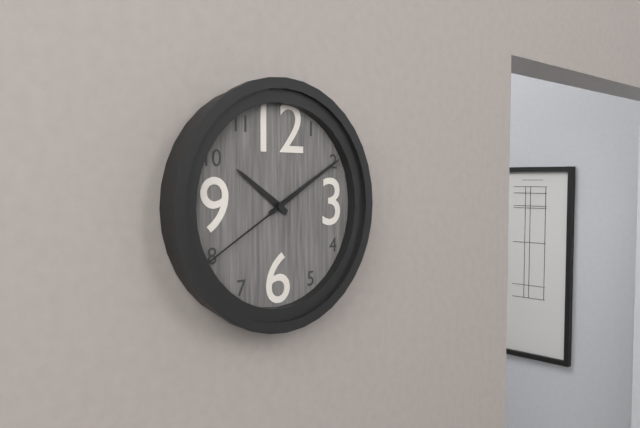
**10:10:40**
